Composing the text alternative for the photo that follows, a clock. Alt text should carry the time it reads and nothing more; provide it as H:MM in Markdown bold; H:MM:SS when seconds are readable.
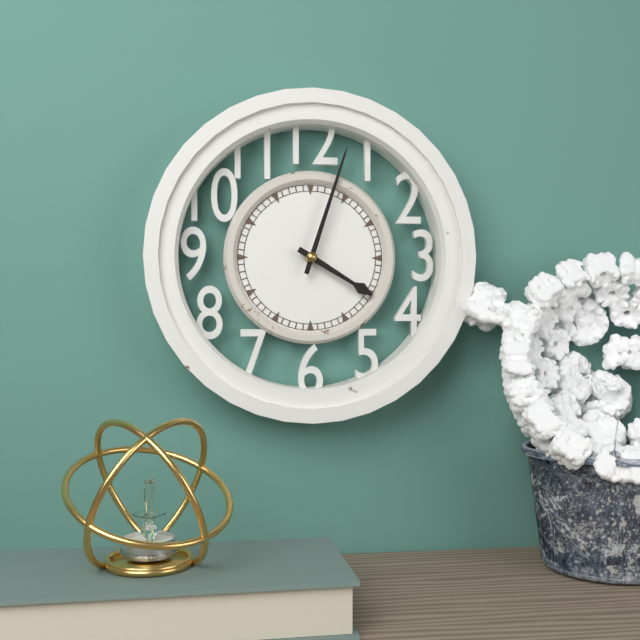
**4:03**
